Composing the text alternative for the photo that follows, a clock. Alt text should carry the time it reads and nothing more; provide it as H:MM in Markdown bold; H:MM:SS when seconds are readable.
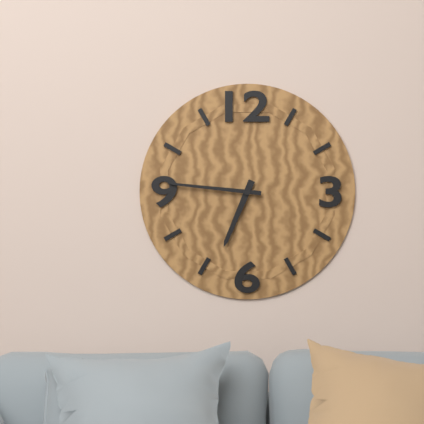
**6:46**
